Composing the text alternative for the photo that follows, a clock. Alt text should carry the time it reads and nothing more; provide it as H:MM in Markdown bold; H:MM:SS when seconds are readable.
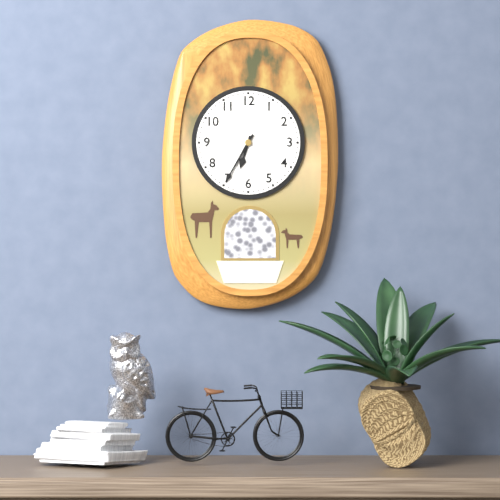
**6:35**
